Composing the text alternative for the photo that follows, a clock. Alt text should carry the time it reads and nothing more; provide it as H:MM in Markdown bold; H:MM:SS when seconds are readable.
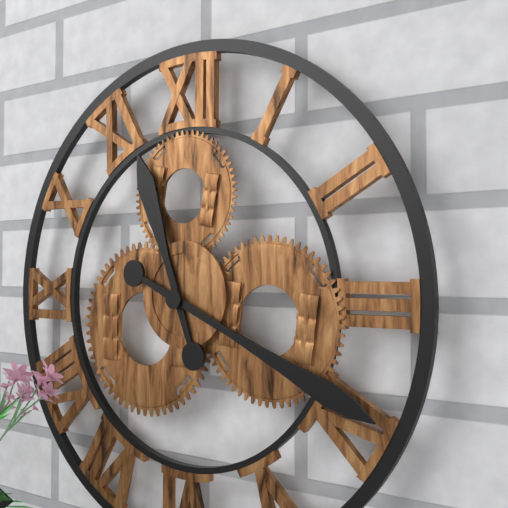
**11:19**
